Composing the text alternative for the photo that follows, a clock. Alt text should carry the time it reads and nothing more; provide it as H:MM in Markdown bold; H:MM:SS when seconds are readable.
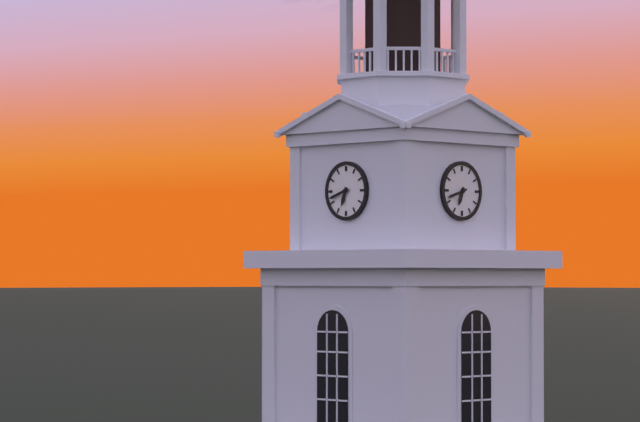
**6:42**
